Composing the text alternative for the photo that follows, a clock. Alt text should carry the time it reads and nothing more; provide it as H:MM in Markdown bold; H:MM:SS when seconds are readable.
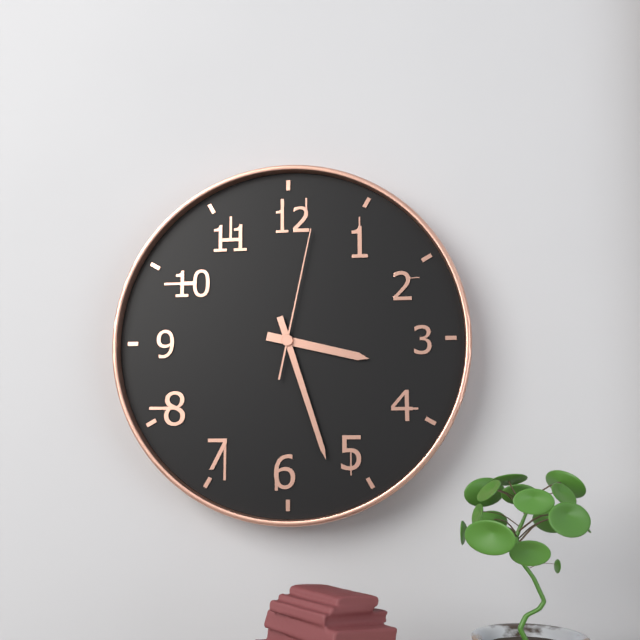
**3:27:02**
